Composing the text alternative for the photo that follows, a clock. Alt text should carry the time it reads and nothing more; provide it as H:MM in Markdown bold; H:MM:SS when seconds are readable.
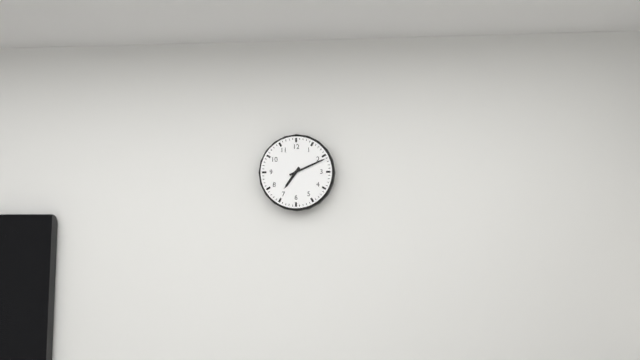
**7:11**
